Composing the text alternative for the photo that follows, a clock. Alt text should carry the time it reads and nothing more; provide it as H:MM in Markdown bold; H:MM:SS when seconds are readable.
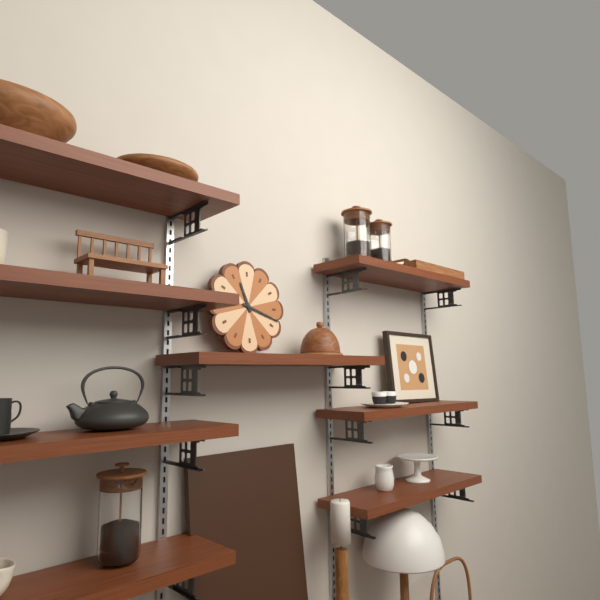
**11:18**
